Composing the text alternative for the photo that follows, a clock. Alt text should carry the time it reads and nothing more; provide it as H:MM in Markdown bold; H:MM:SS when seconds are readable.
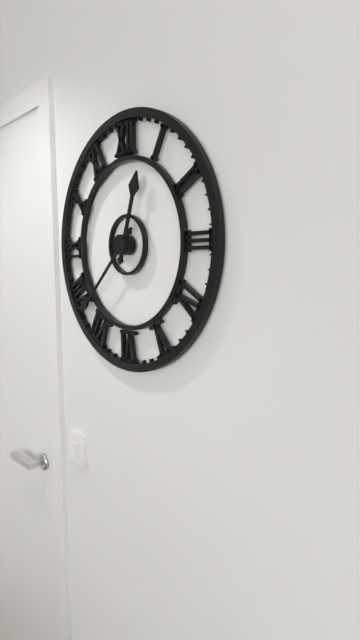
**12:38**
